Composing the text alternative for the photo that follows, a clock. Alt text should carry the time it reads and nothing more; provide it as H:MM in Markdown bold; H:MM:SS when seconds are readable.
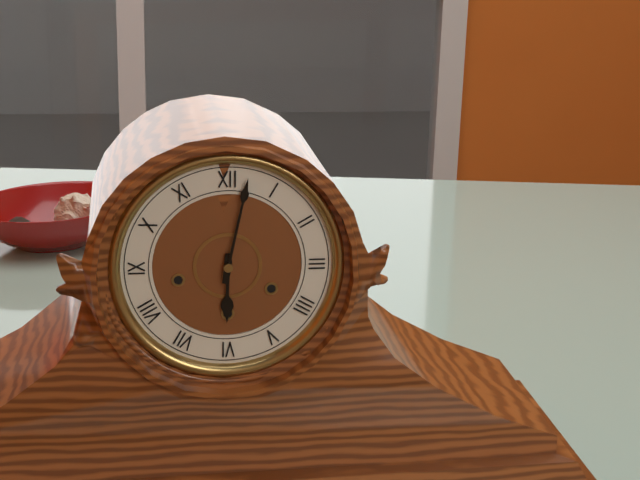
**6:02**
